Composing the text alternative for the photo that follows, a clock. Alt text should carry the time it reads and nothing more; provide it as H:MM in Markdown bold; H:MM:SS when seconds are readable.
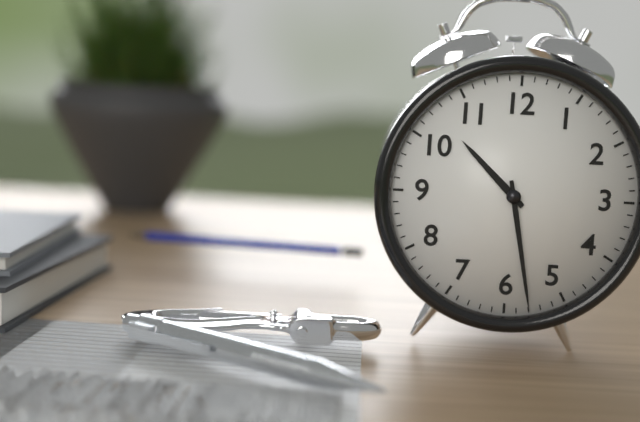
**10:28**
